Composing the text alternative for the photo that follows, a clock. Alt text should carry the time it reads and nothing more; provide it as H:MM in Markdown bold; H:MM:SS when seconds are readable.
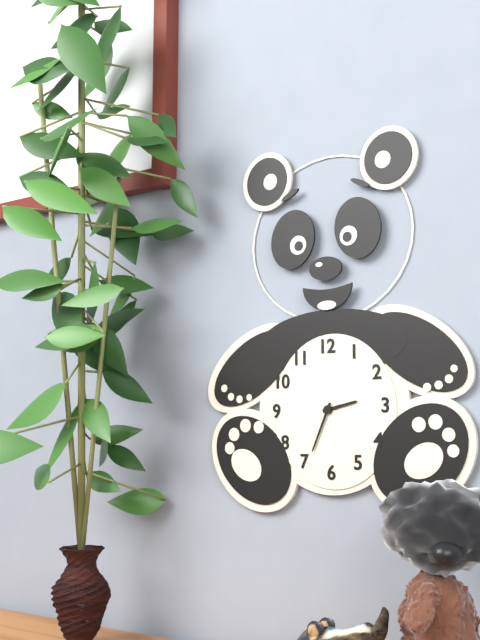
**2:34**
